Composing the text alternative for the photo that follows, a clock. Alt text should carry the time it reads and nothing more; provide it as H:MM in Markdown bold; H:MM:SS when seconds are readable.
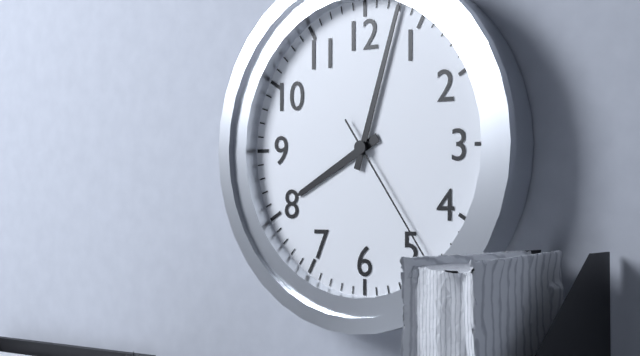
**8:03:24**
